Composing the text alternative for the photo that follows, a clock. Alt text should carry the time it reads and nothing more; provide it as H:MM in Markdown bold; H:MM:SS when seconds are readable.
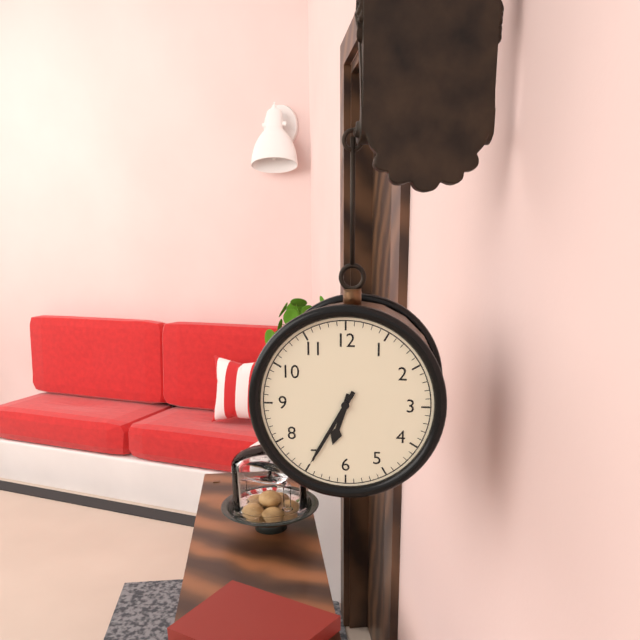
**6:35**
